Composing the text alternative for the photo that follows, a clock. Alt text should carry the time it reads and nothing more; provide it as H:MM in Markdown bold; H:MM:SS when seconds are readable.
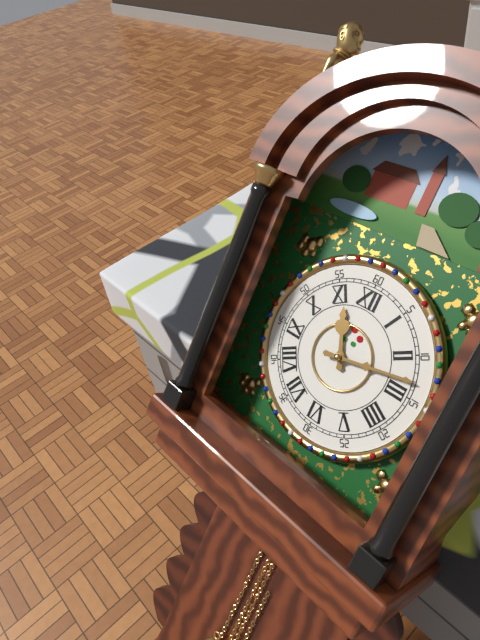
**11:13**
